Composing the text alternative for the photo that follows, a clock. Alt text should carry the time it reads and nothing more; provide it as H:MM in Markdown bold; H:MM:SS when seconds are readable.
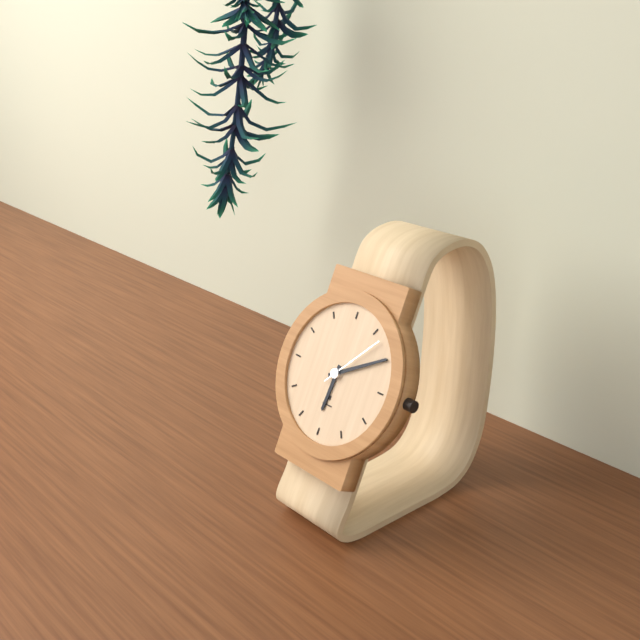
**6:10:07**
